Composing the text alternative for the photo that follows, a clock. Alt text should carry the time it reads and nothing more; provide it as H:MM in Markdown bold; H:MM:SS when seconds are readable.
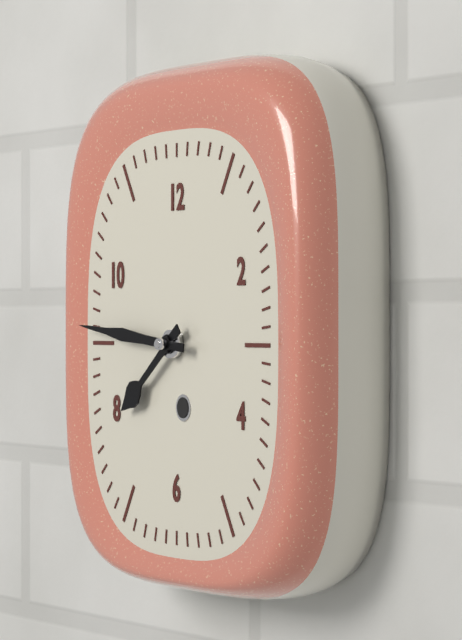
**7:46**
